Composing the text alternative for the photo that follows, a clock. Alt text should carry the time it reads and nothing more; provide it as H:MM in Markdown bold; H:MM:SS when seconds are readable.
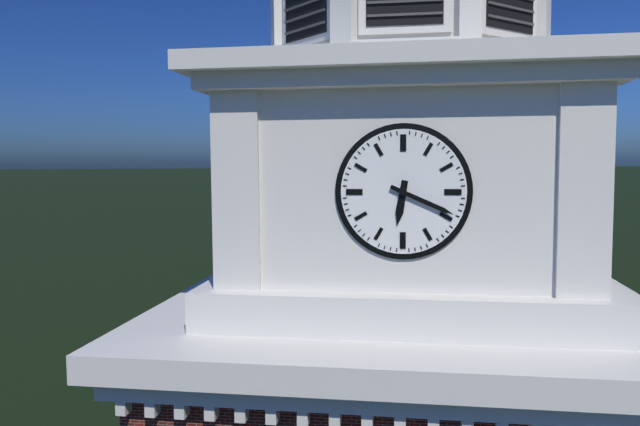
**6:19**
